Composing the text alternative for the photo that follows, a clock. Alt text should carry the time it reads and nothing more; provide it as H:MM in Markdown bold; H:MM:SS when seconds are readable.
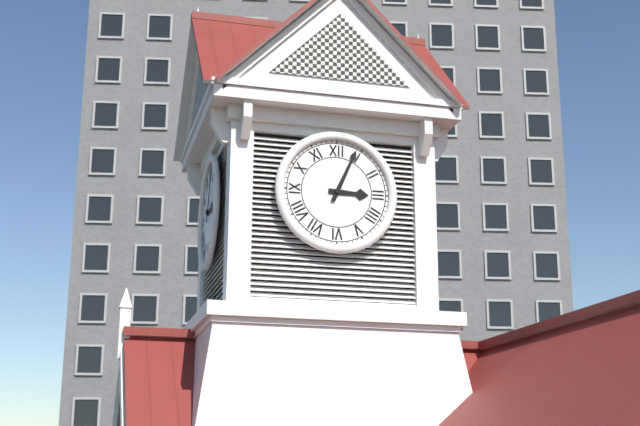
**3:04**
